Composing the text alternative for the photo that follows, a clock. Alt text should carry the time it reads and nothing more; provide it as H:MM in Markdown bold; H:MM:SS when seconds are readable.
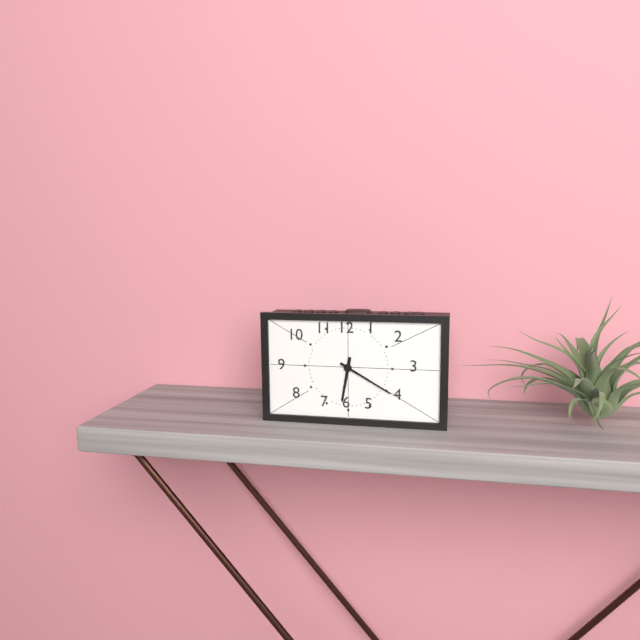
**6:20**
